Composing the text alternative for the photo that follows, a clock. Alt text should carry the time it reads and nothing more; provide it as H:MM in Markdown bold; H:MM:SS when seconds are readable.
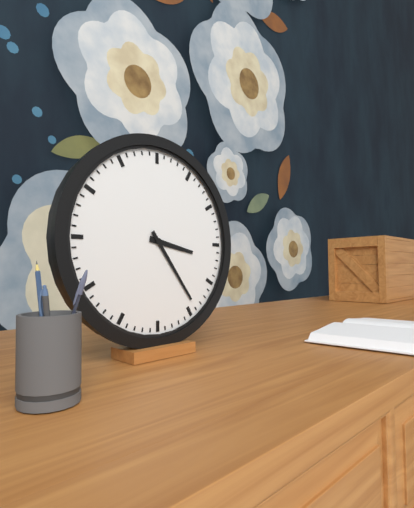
**3:24**
